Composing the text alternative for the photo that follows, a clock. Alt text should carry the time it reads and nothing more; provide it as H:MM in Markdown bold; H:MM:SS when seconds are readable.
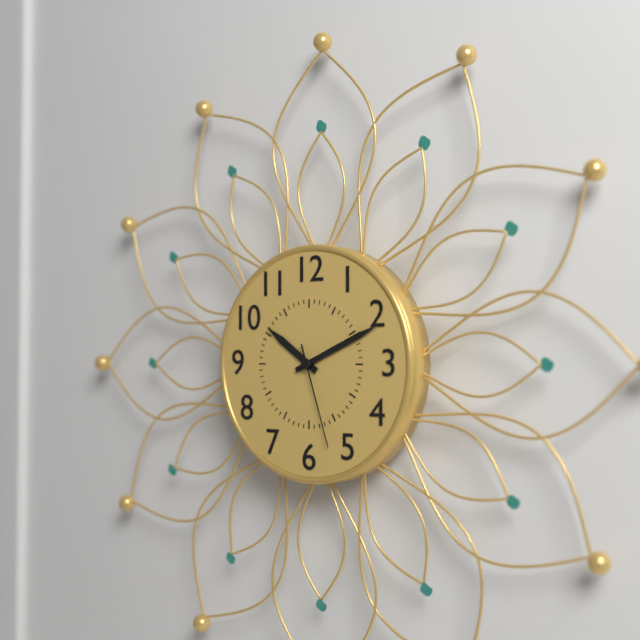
**10:11:27**
